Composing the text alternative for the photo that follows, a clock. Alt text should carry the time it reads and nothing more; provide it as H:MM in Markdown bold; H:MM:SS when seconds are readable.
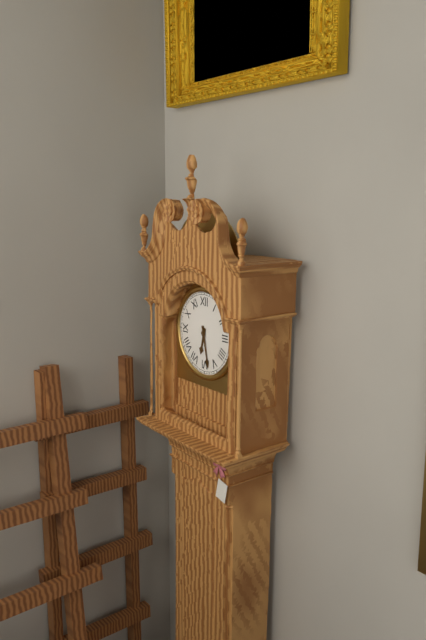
**6:28**
